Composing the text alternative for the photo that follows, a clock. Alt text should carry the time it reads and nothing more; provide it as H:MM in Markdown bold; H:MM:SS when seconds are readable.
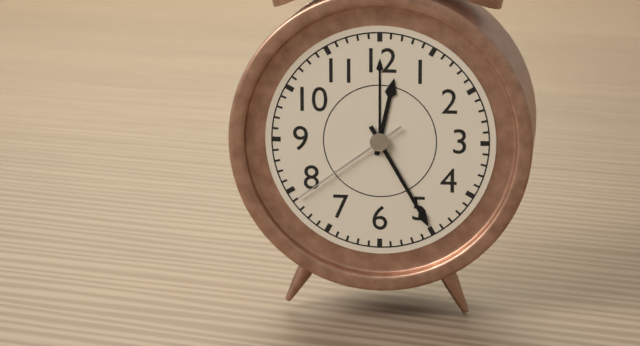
**12:25:39**
